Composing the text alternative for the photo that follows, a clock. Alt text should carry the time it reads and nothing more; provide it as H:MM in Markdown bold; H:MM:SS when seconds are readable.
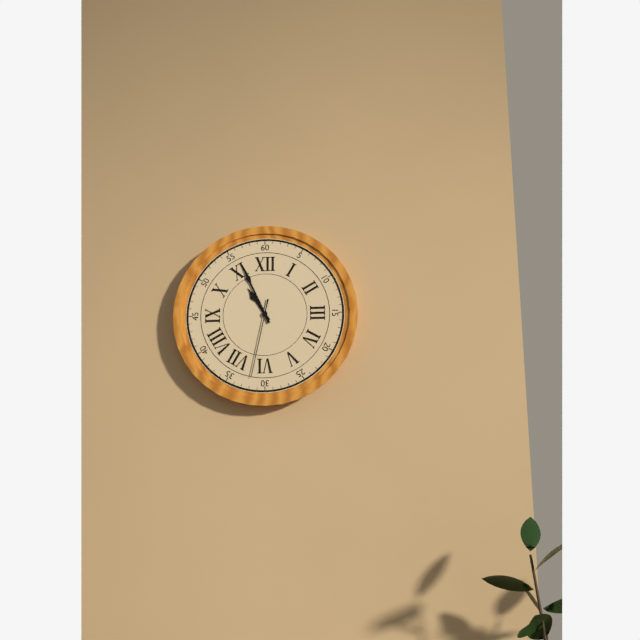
**10:56:32**
